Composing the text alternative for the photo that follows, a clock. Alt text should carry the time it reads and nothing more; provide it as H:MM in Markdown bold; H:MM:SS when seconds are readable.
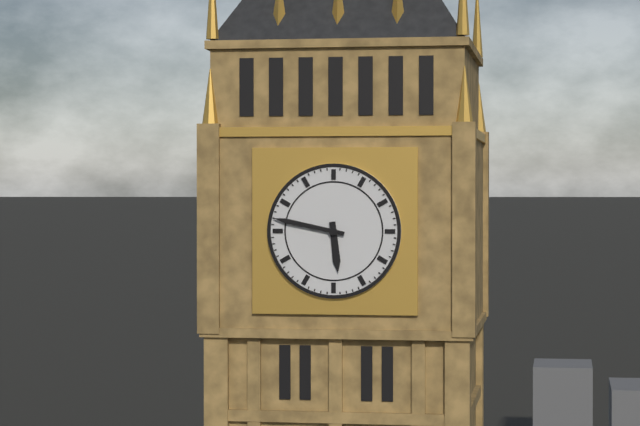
**5:47**
